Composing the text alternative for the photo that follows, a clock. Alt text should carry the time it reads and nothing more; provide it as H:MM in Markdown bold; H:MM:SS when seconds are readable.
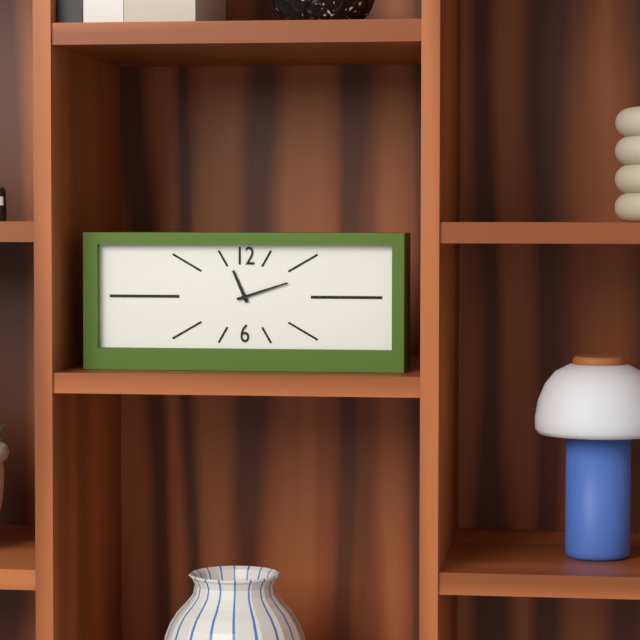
**11:12**
